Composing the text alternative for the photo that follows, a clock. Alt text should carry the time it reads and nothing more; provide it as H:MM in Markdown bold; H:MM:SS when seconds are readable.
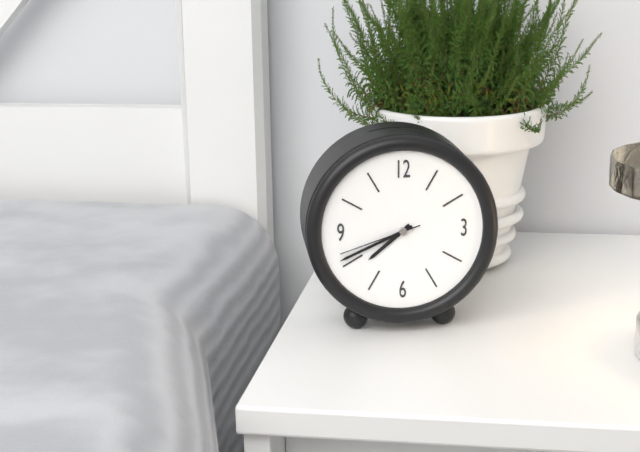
**7:41:42**
